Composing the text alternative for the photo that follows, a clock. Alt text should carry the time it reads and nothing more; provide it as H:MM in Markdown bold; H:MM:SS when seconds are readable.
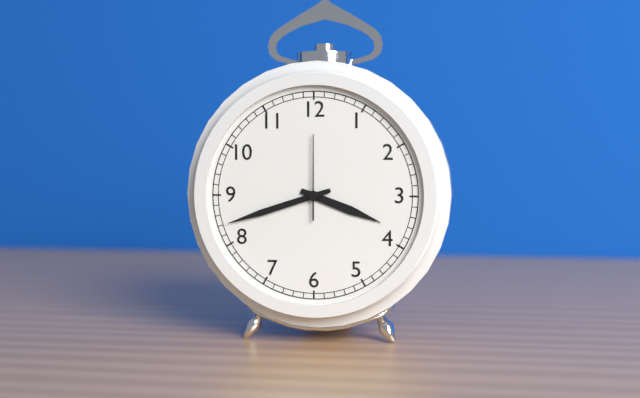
**3:42:00**
